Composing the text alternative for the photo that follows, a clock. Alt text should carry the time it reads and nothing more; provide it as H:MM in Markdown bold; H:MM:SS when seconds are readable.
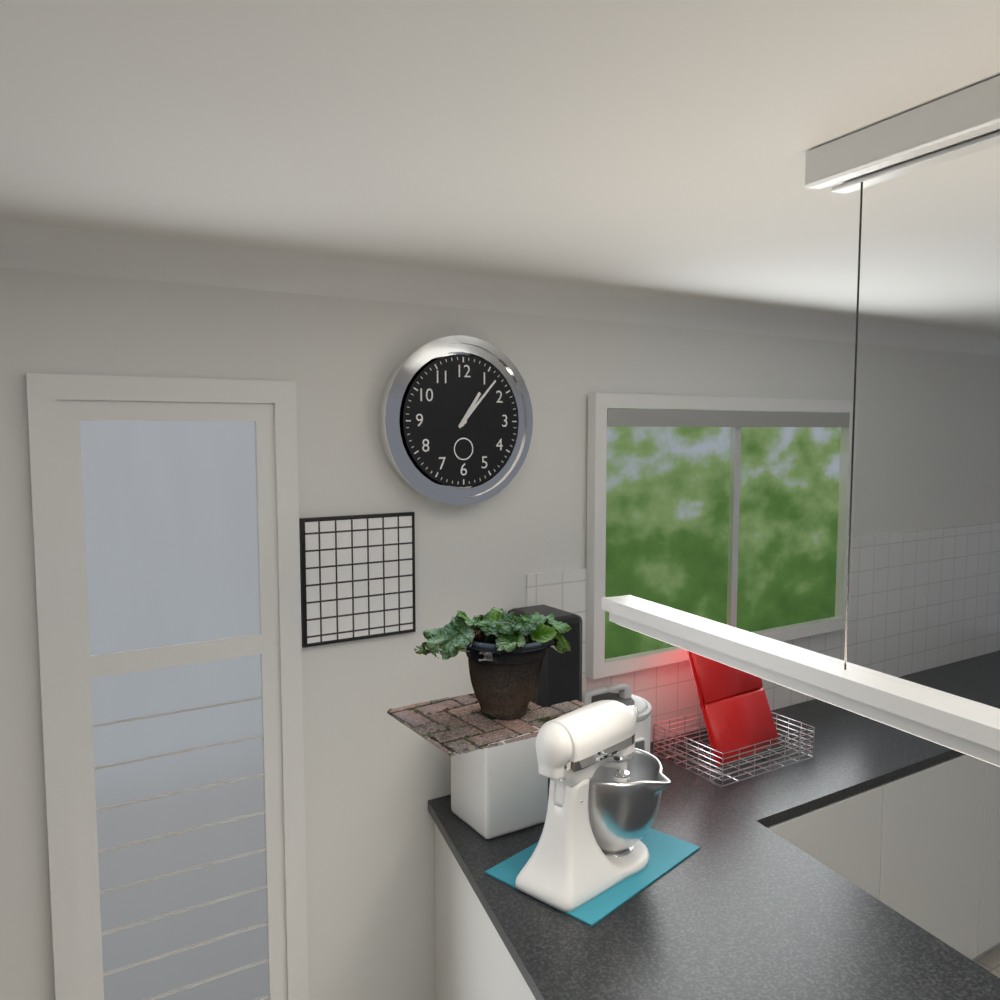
**1:07**
